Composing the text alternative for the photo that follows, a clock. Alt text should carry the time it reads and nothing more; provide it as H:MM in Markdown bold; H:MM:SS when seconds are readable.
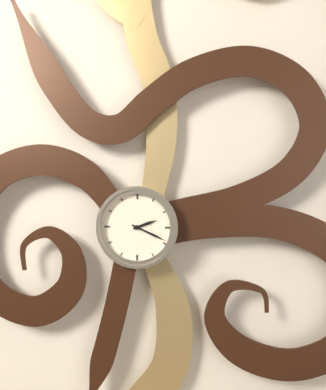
**2:19**
